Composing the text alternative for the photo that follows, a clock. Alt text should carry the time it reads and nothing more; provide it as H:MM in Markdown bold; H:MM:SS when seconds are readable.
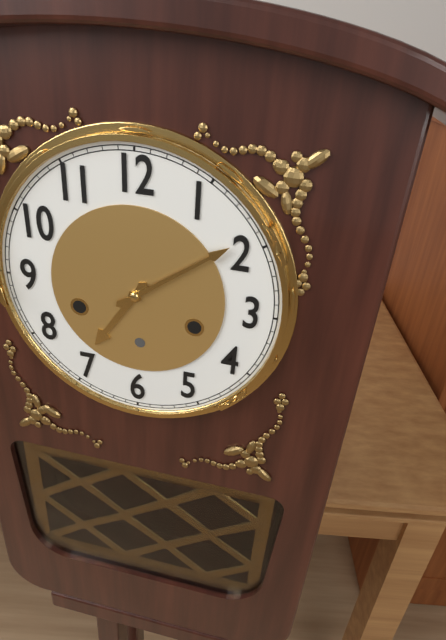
**7:09**
